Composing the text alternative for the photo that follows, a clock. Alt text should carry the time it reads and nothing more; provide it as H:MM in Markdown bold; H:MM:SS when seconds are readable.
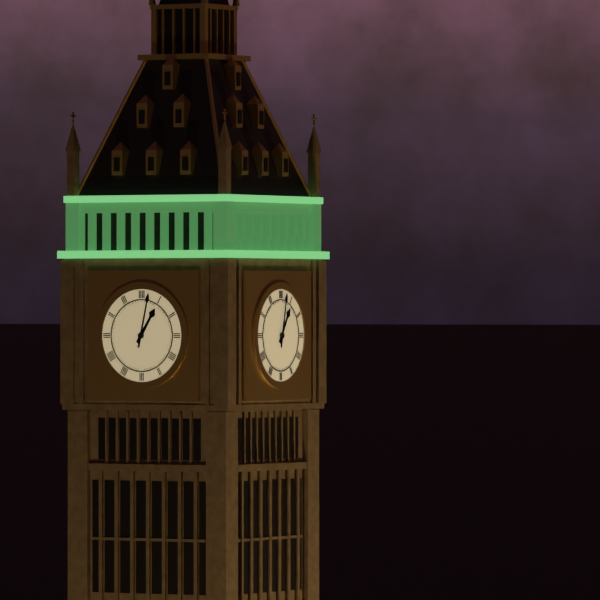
**1:02**
